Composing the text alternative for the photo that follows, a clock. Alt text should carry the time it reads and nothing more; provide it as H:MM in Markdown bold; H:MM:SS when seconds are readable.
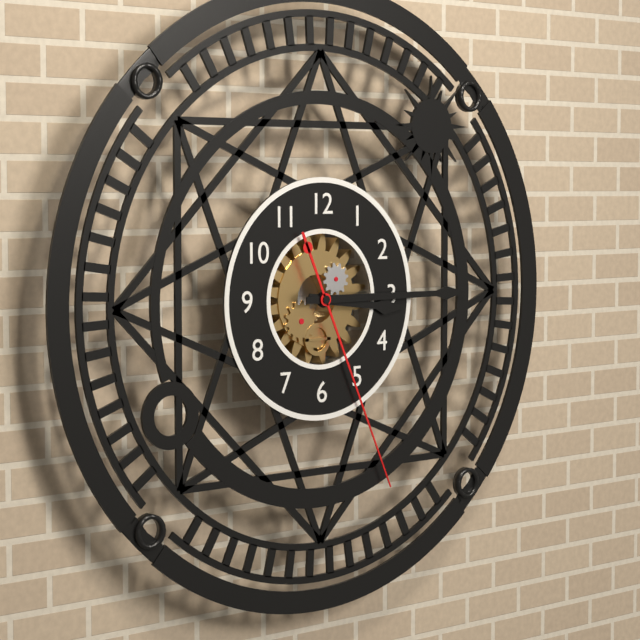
**3:15:26**
